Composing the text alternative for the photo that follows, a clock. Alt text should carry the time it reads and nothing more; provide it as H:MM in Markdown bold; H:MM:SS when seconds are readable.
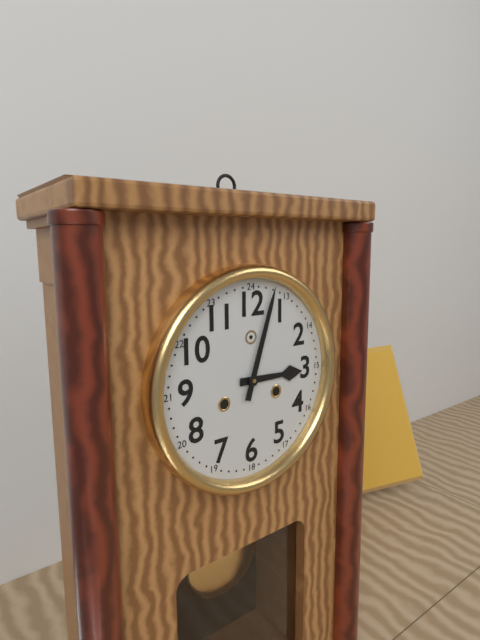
**3:03**
